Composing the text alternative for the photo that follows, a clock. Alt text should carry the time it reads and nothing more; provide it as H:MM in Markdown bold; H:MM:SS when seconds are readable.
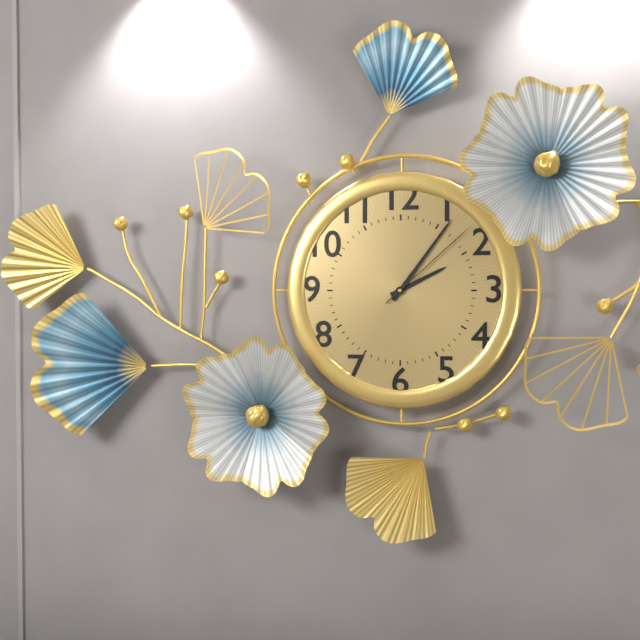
**2:06:08**
